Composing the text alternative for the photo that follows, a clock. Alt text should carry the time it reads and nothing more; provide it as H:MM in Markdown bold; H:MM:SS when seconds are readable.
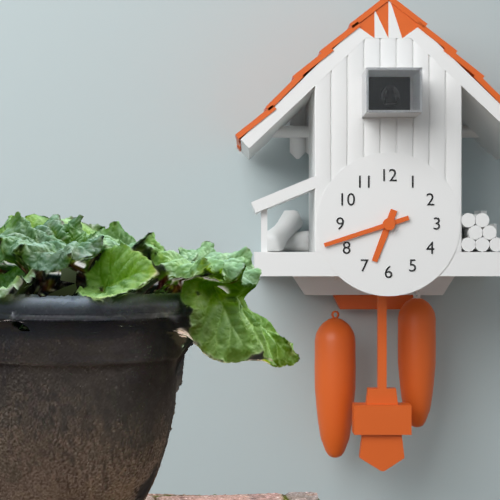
**6:42**
